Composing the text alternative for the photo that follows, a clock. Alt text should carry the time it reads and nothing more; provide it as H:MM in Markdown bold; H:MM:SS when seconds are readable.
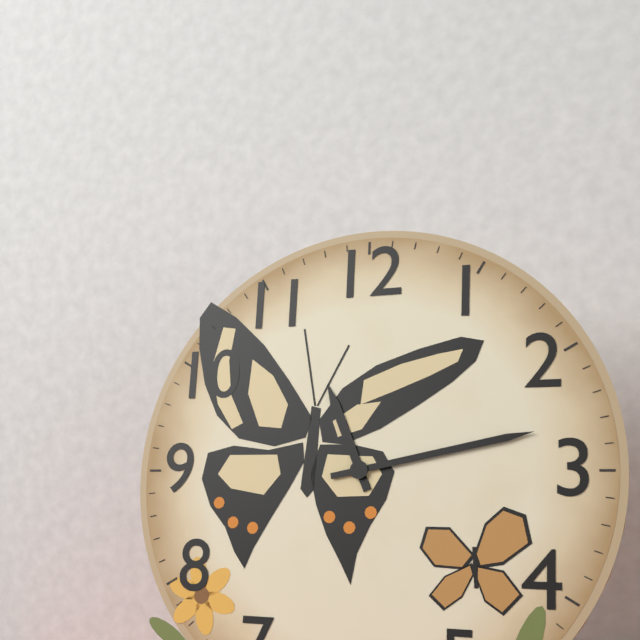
**11:13**
